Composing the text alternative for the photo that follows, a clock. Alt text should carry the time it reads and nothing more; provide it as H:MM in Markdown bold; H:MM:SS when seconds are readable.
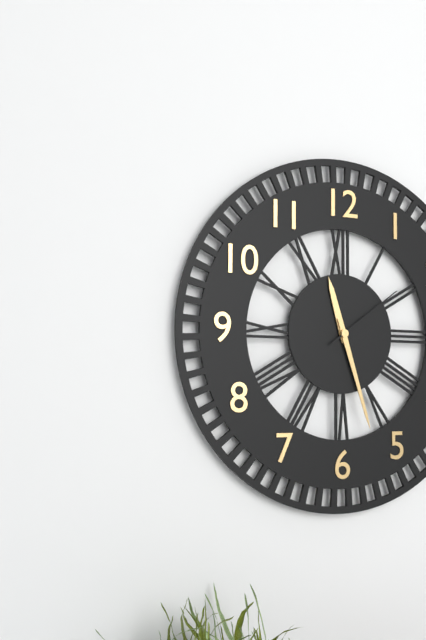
**11:27:09**
